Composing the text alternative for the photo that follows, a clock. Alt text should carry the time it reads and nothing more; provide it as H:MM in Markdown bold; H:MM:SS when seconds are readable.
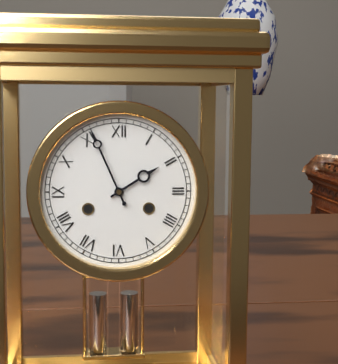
**1:56**
